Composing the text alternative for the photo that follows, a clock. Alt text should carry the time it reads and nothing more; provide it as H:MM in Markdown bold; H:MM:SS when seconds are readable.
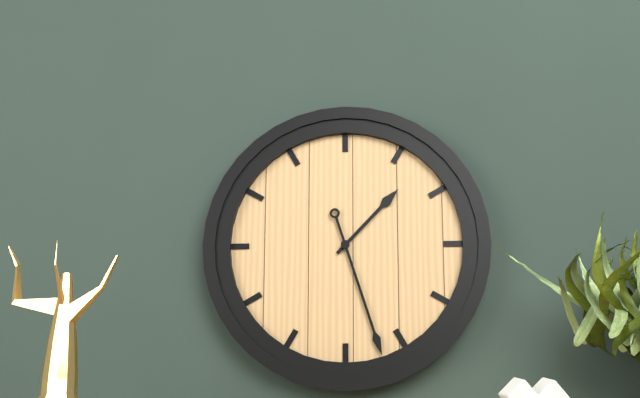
**1:27**
